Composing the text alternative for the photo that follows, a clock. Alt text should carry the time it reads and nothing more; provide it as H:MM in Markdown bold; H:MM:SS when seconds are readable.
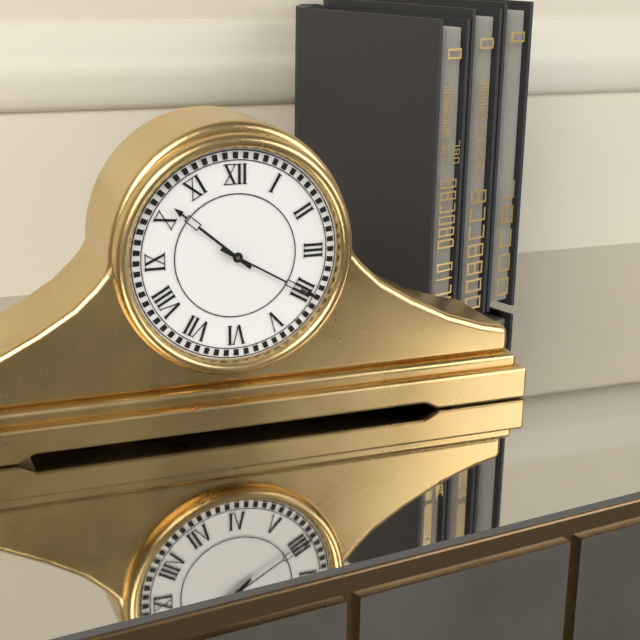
**10:20**
